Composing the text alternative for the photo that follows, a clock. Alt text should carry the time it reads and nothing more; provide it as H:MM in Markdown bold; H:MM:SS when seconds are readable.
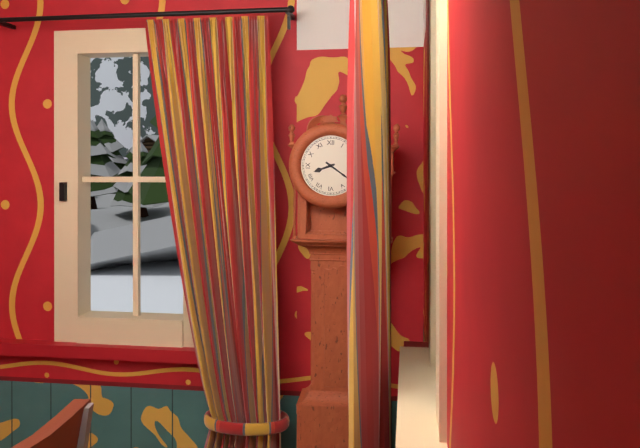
**8:21**
